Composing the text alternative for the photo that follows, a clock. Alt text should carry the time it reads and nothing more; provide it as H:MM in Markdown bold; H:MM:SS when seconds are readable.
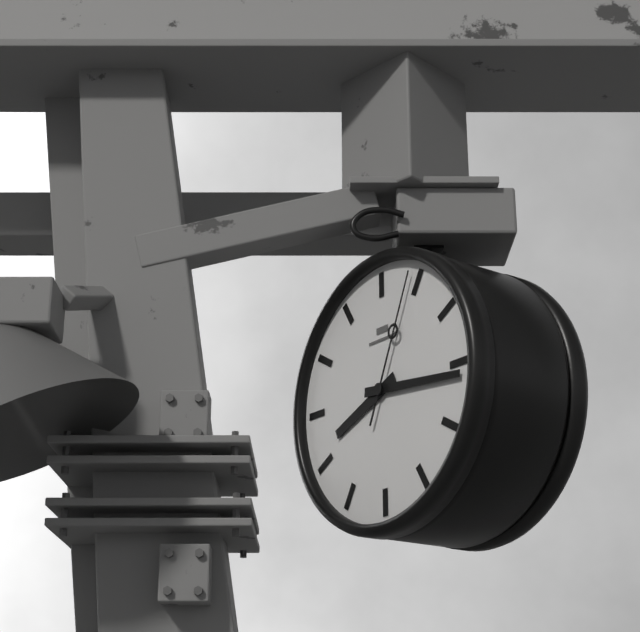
**8:16:04**
